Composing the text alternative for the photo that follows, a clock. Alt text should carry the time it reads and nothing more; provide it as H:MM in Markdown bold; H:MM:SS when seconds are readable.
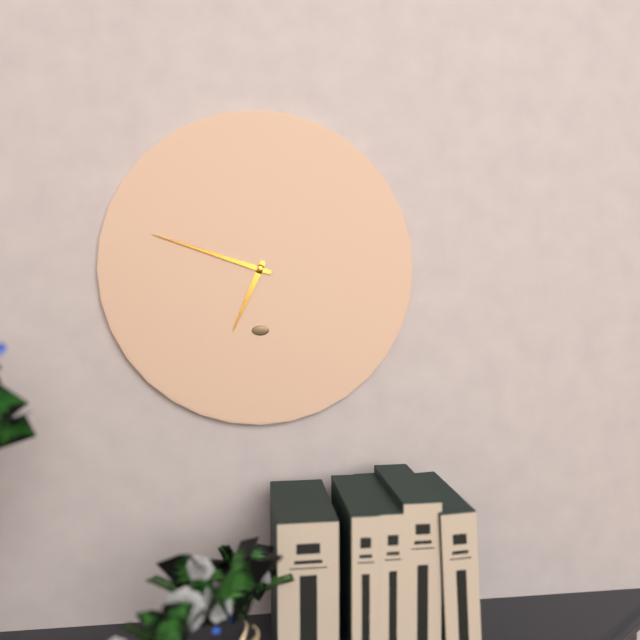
**6:48**
